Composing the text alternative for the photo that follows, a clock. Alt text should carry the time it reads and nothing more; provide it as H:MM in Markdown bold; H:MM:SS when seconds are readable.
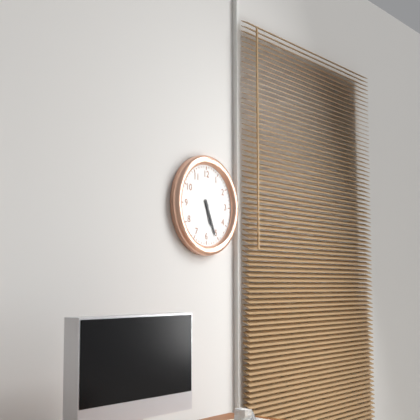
**5:26**
